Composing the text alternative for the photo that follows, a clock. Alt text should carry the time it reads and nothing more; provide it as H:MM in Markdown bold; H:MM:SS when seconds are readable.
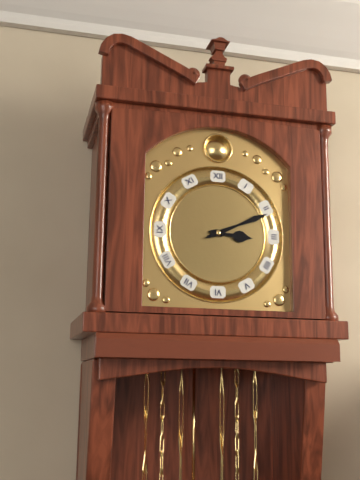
**3:11**
